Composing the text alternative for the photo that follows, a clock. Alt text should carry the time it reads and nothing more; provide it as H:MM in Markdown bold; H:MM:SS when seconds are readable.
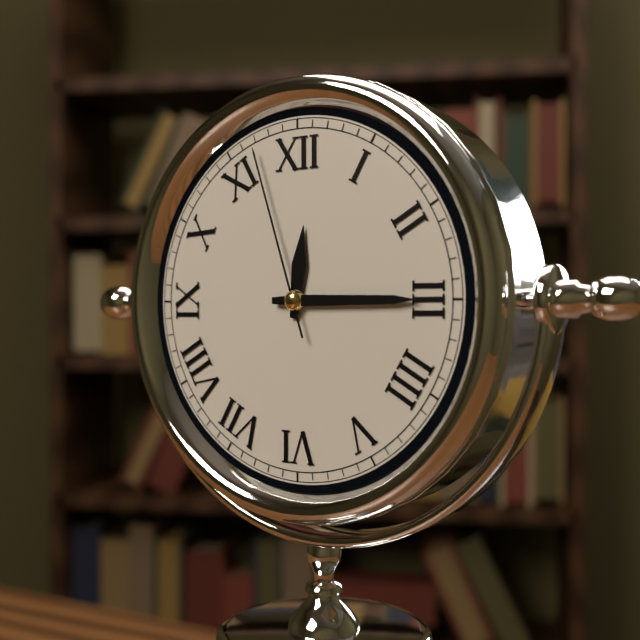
**12:15:57**
